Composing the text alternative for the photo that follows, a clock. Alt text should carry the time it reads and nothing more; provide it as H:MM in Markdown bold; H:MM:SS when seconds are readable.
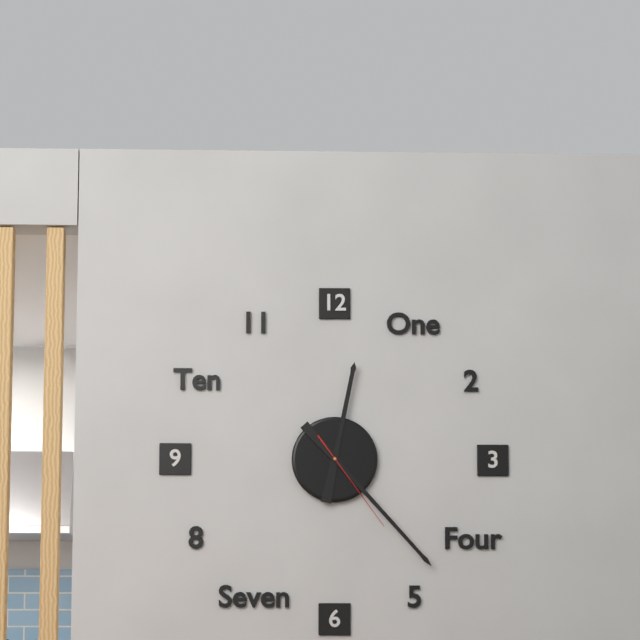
**12:23:24**
